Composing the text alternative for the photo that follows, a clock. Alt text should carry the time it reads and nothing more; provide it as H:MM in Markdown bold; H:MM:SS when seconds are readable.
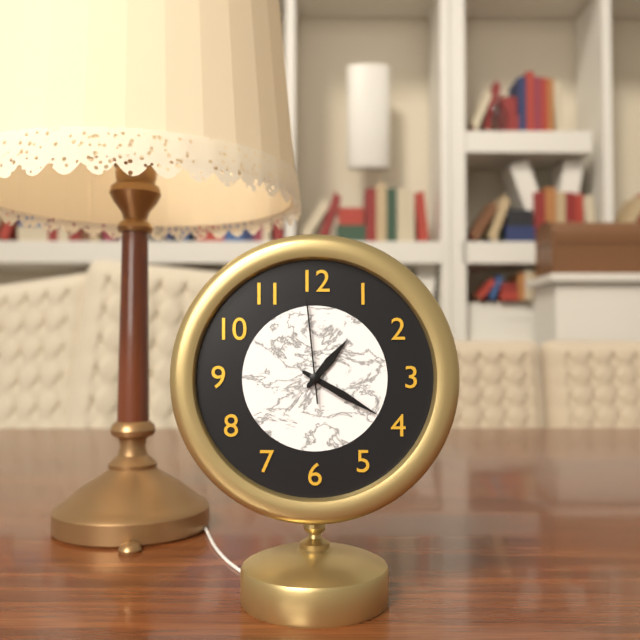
**1:20:59**
